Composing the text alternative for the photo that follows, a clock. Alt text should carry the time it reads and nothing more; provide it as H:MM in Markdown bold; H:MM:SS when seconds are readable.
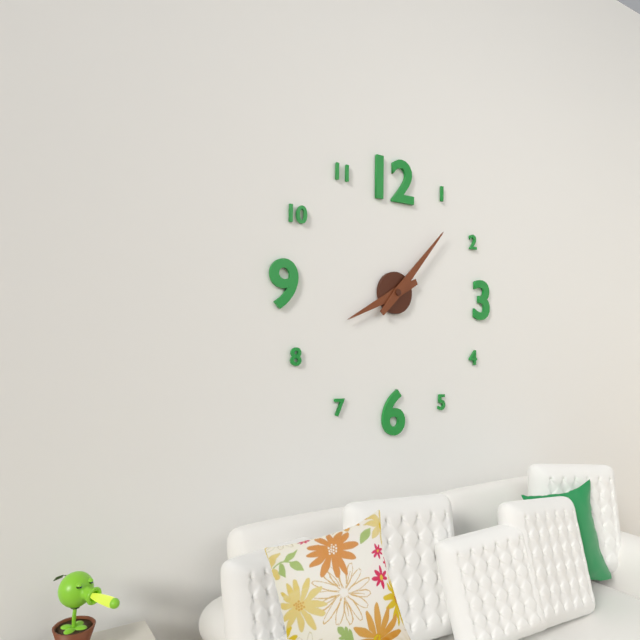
**8:07**
